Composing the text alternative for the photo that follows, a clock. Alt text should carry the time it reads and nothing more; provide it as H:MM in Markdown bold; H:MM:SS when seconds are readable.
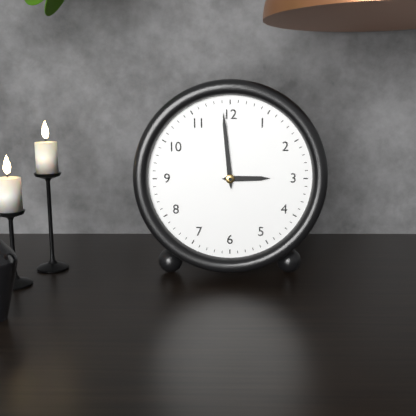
**2:59**
